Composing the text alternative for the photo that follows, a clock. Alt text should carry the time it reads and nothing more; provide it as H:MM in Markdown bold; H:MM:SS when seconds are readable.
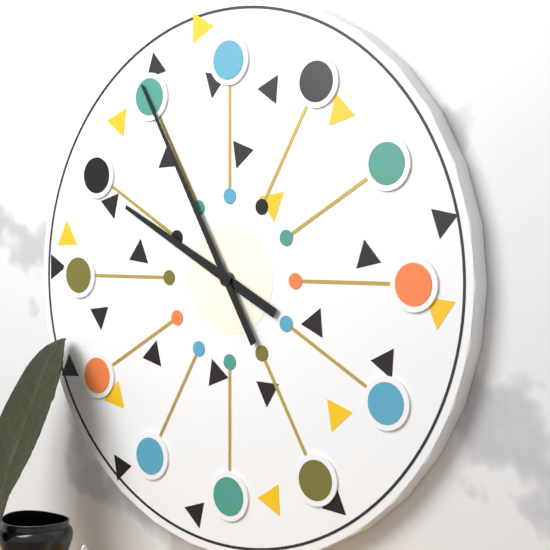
**9:55**
